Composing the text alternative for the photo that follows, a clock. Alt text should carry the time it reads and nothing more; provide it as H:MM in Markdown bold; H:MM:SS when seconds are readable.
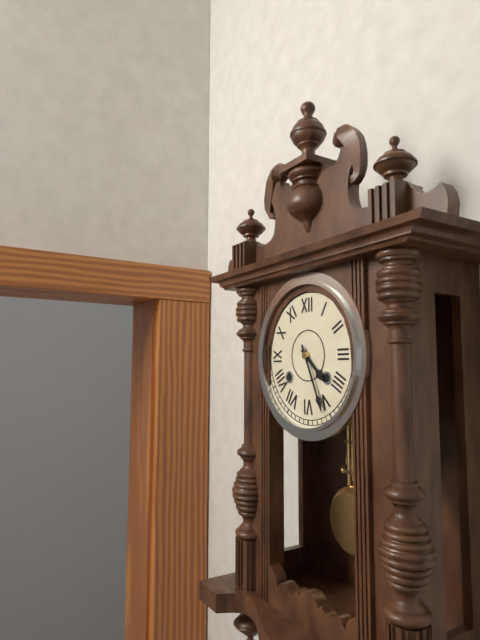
**4:26**
